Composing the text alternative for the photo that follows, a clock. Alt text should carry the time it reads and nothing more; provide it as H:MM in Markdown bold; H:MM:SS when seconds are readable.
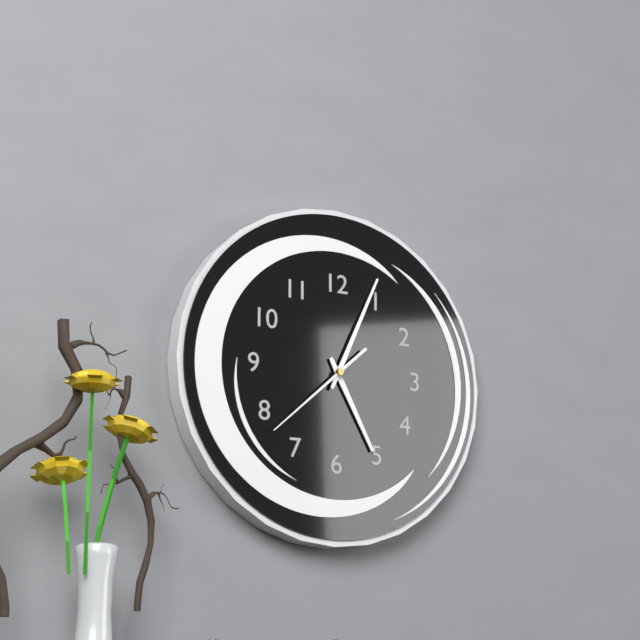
**5:04:38**
